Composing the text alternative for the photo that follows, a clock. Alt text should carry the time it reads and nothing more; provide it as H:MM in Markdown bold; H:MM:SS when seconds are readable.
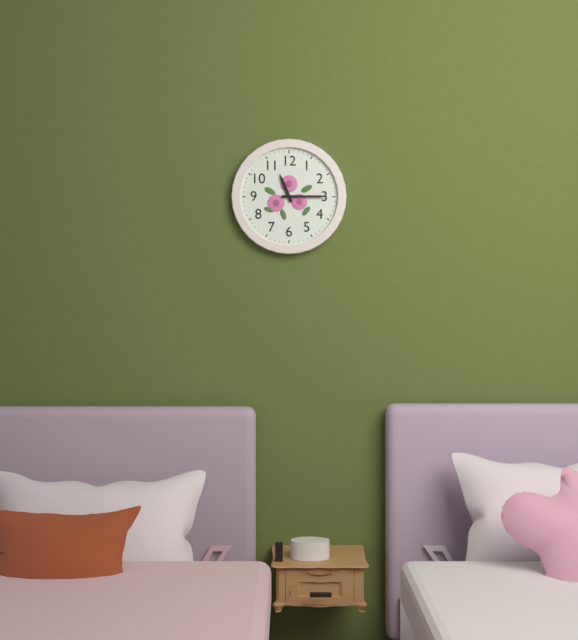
**11:15**
